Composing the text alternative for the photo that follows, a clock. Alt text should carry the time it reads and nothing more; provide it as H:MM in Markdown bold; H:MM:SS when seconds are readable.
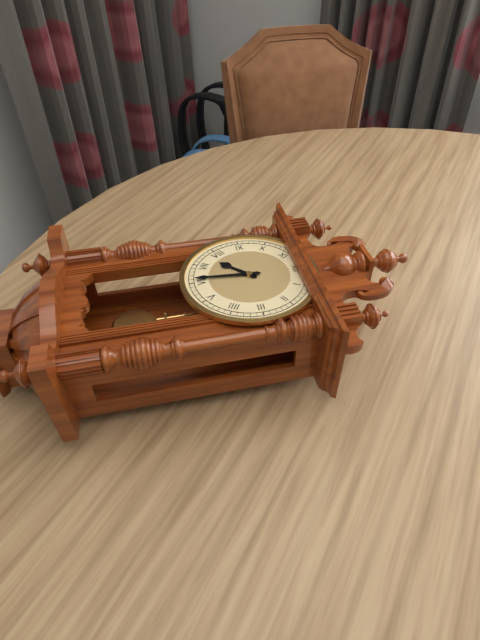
**7:31**
